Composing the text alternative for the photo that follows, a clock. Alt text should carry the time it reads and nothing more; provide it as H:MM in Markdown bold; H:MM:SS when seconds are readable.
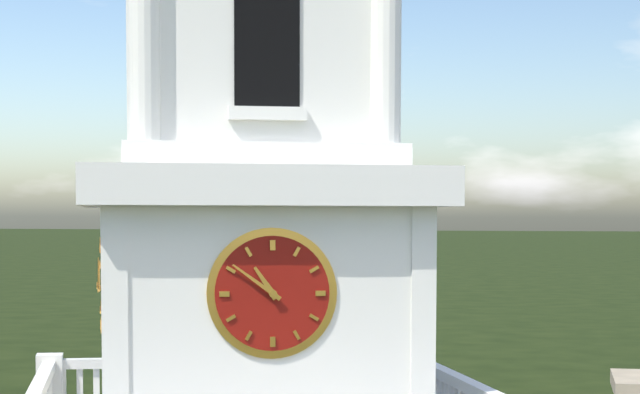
**10:51**
